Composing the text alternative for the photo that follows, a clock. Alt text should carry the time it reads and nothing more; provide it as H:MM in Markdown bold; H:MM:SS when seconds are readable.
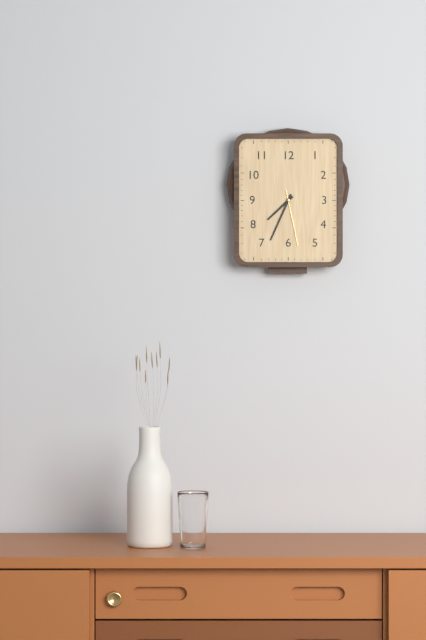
**7:34:28**
